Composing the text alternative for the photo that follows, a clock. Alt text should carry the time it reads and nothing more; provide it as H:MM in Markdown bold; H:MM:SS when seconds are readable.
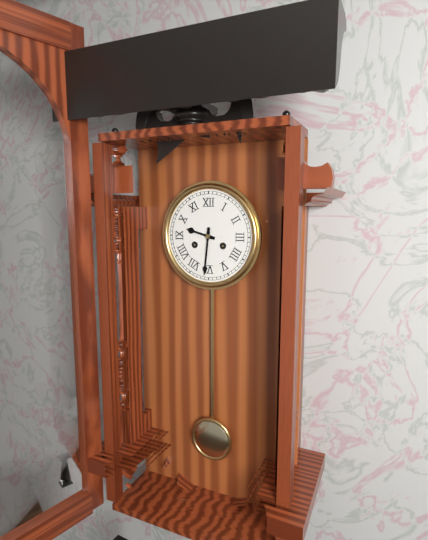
**9:31**
